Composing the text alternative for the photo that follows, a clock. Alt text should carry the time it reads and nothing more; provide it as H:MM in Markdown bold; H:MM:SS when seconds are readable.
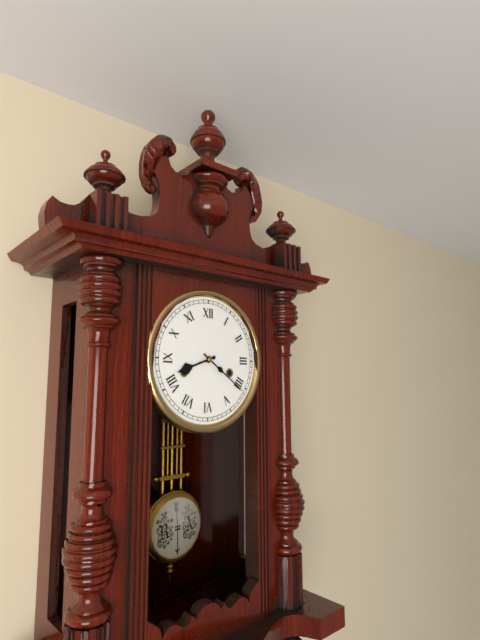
**8:21**
